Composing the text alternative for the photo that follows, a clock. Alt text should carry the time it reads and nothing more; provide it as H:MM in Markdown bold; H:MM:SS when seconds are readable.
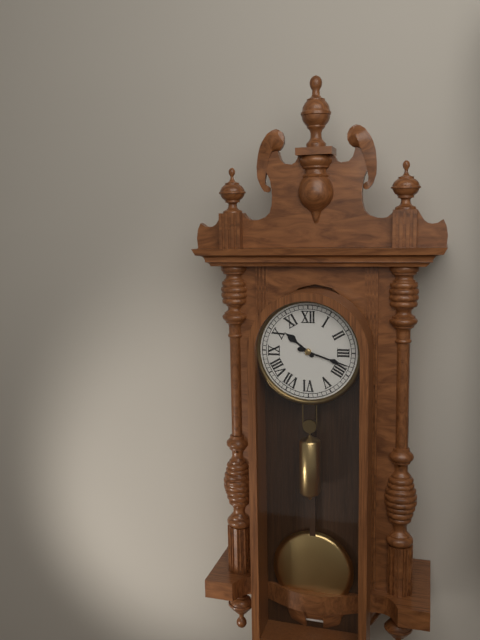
**10:18**
